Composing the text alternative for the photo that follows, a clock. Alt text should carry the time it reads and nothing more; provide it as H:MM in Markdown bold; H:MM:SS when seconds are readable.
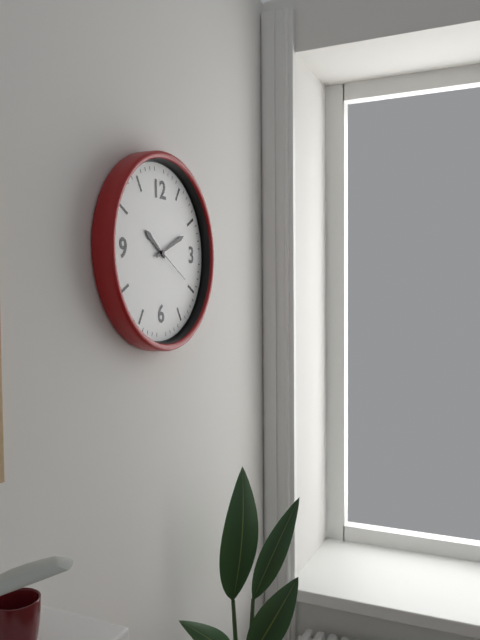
**10:11**
